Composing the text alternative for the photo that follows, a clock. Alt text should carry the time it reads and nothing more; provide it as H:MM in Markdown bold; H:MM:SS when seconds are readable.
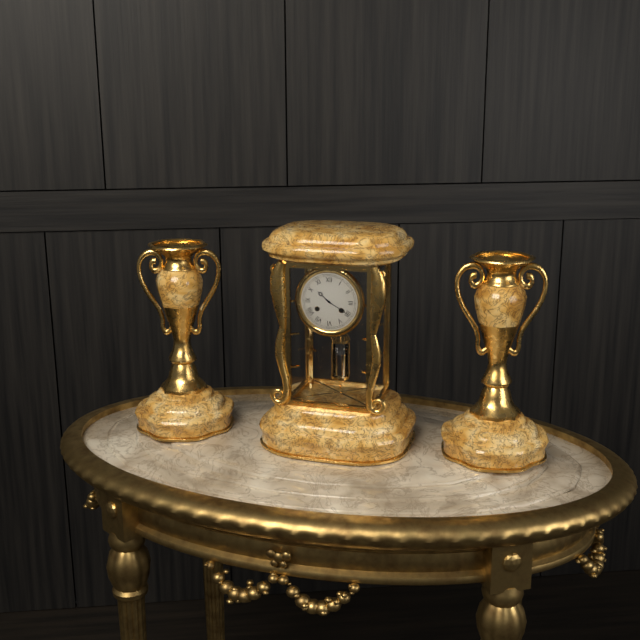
**10:20**
